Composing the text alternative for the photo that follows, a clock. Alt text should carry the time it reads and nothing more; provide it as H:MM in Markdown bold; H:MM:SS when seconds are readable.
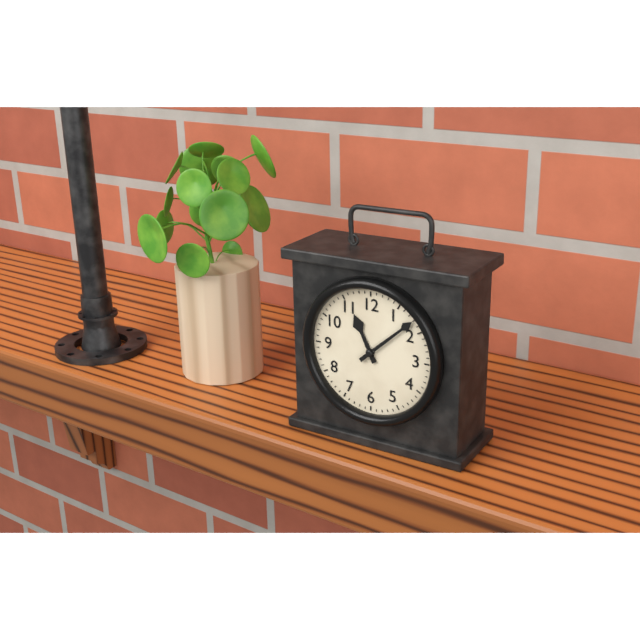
**11:08**
